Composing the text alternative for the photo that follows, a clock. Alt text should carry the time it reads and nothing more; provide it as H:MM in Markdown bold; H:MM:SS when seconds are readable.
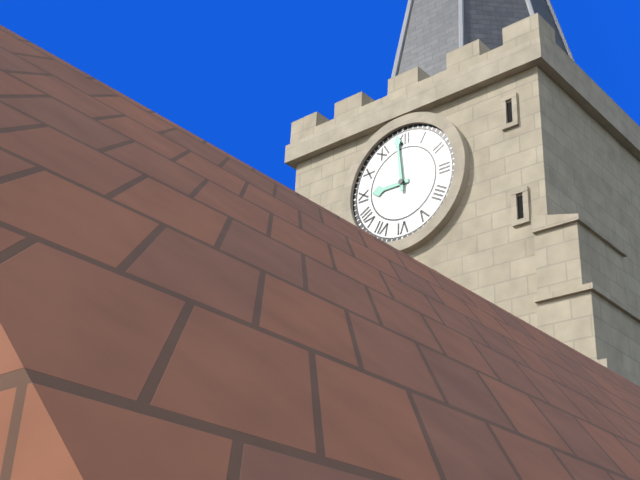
**8:59**
